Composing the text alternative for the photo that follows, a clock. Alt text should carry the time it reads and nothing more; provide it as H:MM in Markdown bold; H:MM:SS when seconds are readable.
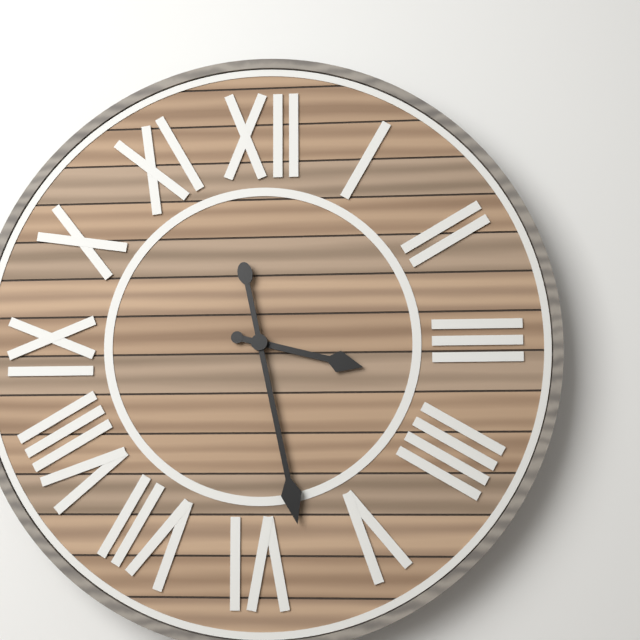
**3:28**
